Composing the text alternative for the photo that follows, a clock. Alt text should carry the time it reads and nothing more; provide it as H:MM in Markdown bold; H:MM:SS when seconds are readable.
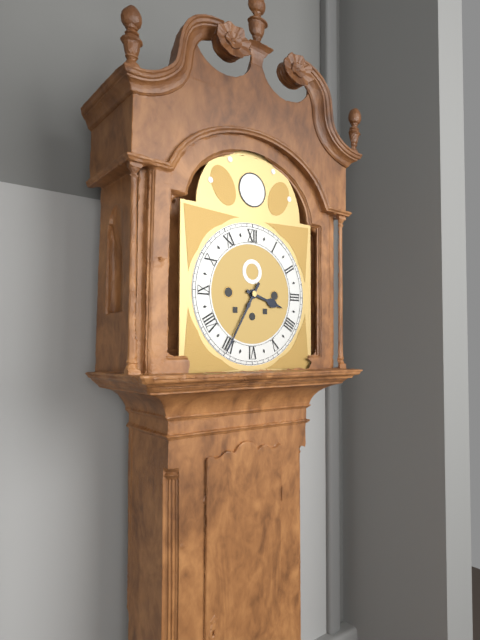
**3:35**
